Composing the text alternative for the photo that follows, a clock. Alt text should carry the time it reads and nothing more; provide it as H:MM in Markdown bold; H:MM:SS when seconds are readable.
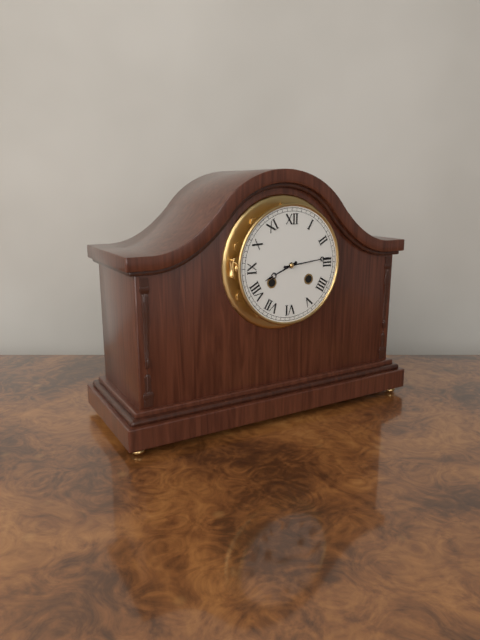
**8:14**
